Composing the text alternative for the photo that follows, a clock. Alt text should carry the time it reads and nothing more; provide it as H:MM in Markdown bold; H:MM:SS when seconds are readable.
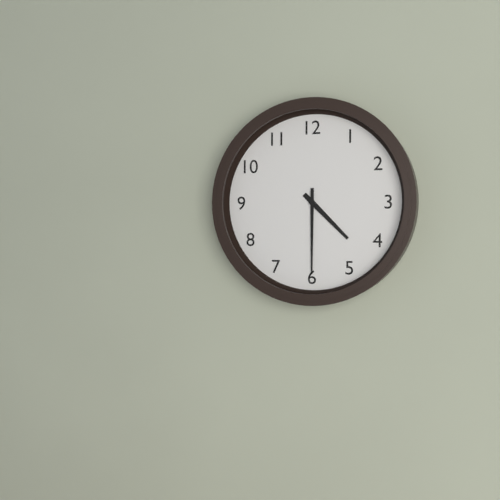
**4:30**
